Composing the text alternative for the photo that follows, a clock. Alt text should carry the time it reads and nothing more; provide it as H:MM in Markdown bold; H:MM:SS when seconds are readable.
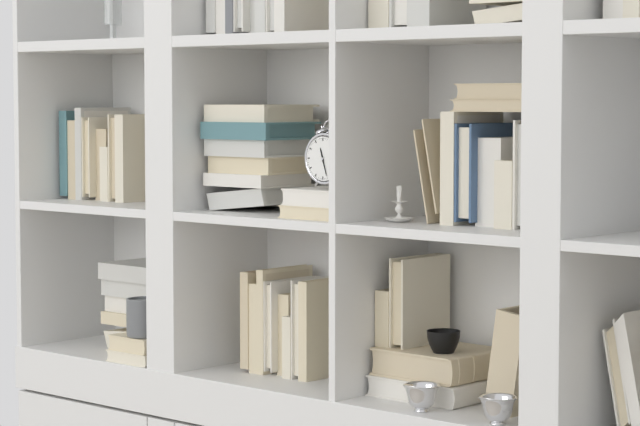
**11:27**
